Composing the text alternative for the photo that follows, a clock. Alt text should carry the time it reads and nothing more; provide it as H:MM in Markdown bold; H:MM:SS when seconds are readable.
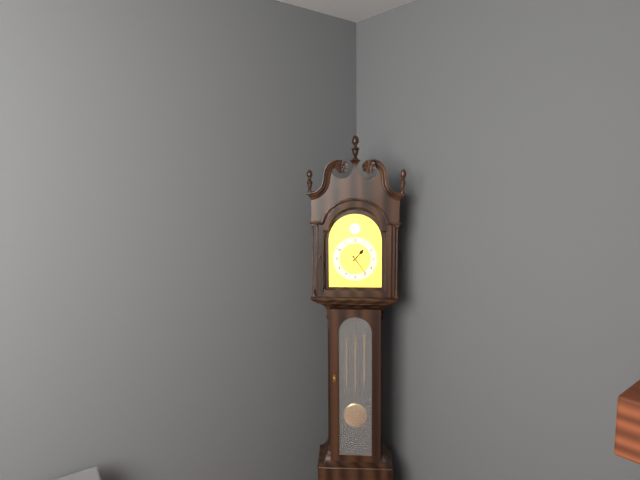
**1:24**
